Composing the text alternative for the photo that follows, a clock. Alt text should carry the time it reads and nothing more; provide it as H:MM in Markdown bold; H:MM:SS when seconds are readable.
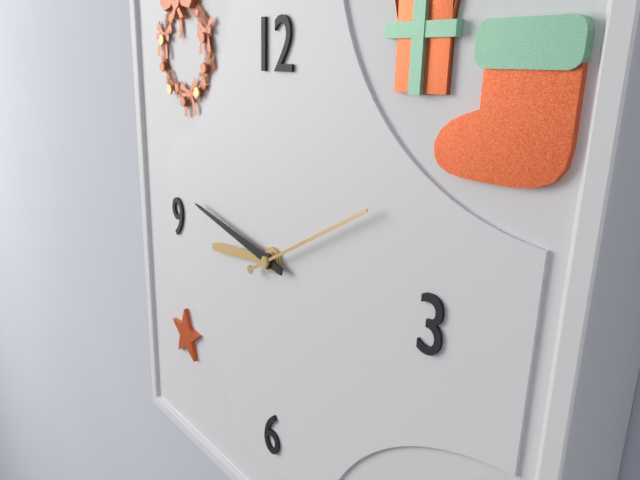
**8:47:10**
